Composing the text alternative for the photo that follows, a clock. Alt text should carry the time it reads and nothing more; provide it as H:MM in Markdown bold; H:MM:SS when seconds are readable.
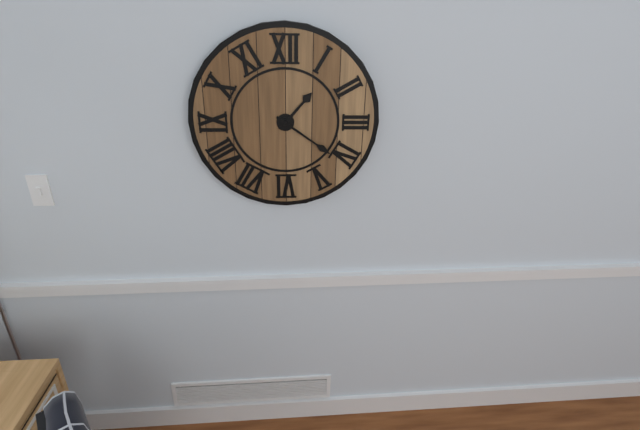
**1:21**
